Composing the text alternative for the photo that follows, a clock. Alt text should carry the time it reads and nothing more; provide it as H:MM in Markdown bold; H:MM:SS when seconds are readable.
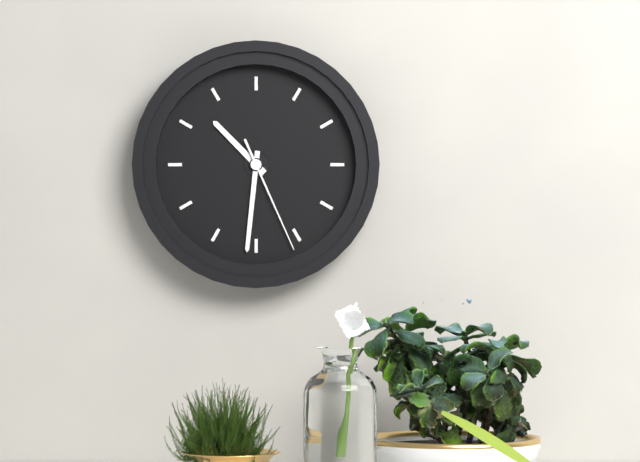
**10:31:26**
